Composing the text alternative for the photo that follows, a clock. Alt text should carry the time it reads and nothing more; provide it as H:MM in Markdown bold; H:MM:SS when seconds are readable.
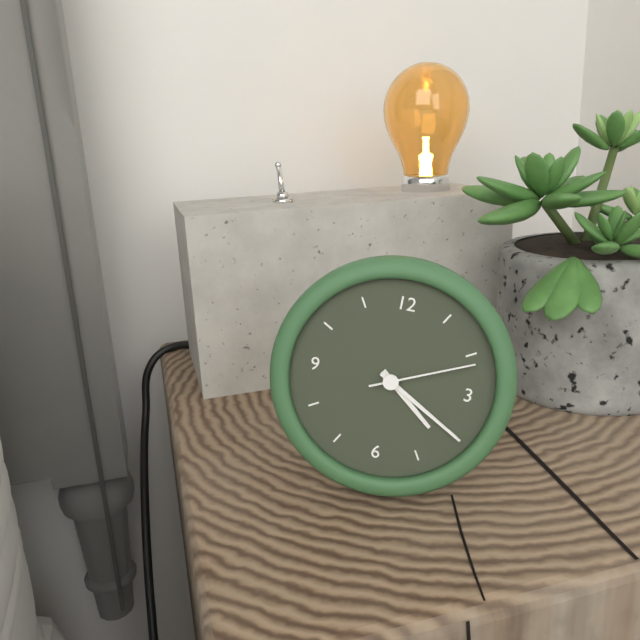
**4:20:11**
